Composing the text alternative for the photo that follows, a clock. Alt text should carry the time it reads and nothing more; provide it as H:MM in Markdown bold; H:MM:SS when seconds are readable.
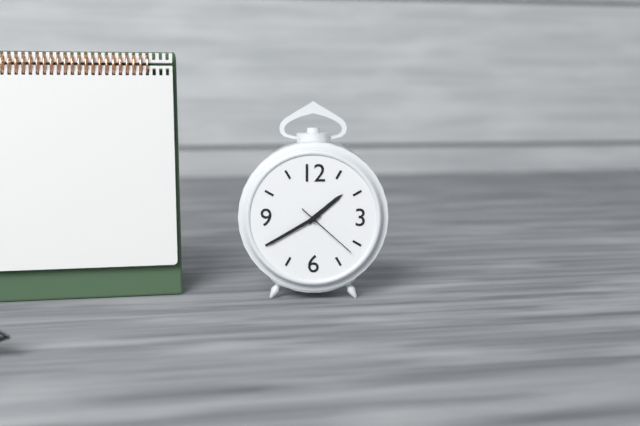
**1:40:22**
